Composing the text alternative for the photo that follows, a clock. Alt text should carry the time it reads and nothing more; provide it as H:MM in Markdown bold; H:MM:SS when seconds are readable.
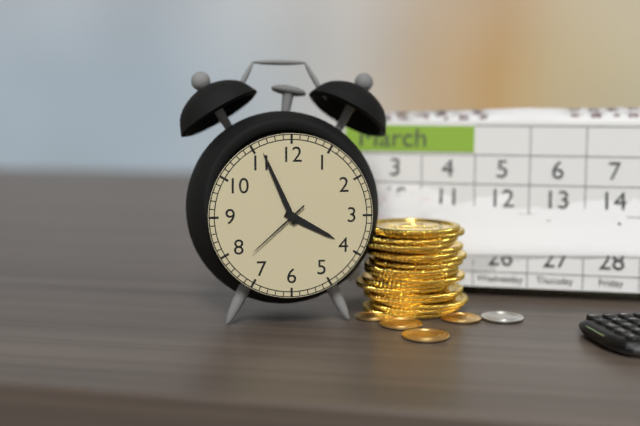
**3:56:38**
